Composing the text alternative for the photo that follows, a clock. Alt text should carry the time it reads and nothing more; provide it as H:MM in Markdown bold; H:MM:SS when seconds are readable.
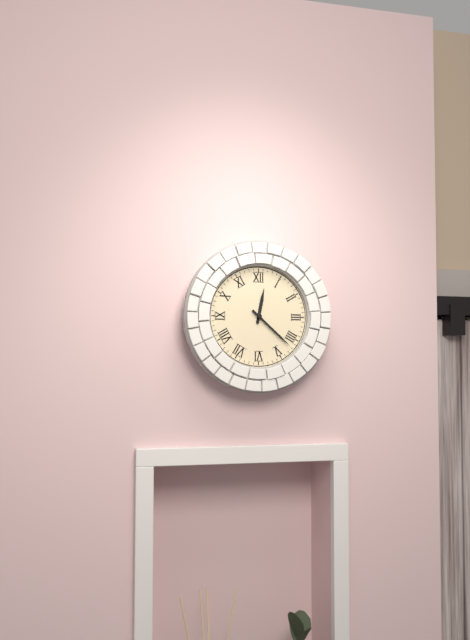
**12:22**
